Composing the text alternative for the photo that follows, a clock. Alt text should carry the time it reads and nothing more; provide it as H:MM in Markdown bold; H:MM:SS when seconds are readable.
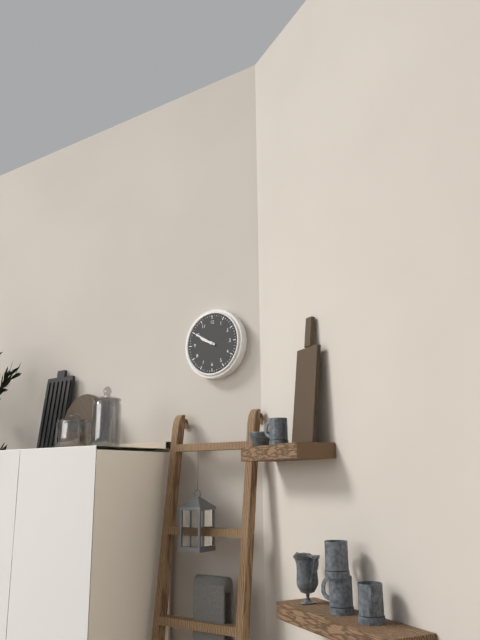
**9:50**
